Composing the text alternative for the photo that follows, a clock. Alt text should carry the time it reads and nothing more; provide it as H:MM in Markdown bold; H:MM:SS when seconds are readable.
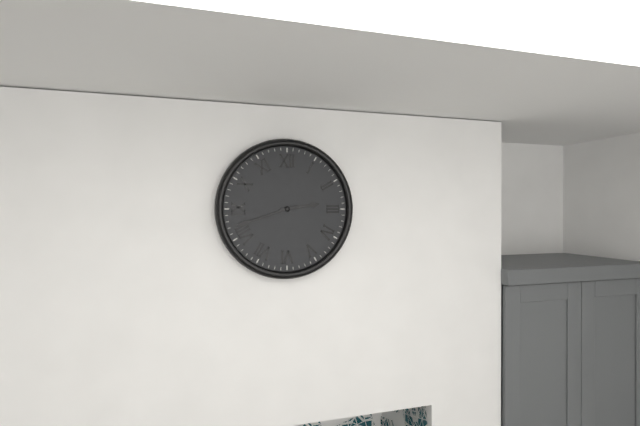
**2:42**
